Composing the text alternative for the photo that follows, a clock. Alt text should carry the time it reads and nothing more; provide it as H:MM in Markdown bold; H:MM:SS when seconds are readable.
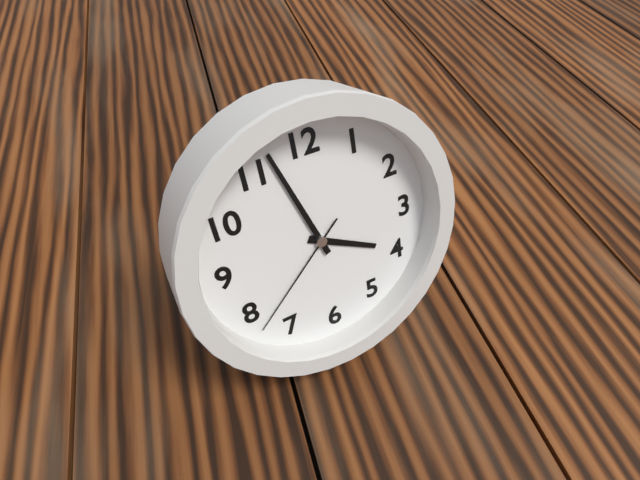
**3:57:38**
